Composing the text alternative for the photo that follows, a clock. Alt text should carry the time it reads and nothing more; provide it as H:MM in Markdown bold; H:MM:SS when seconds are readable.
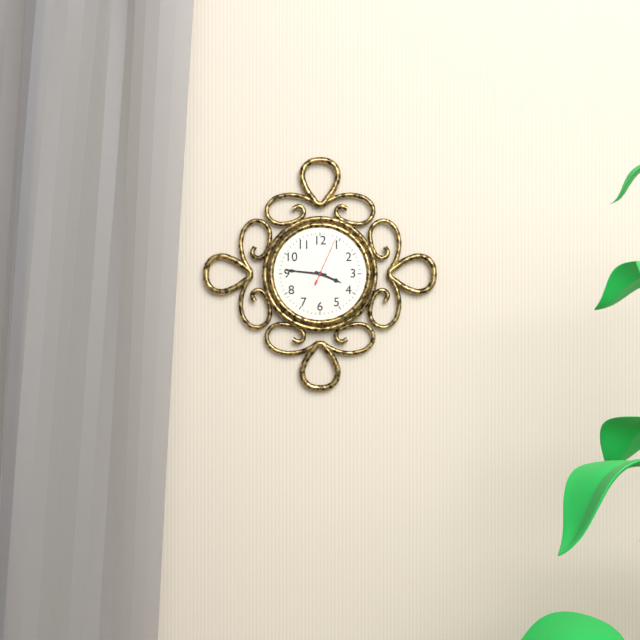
**3:46**
